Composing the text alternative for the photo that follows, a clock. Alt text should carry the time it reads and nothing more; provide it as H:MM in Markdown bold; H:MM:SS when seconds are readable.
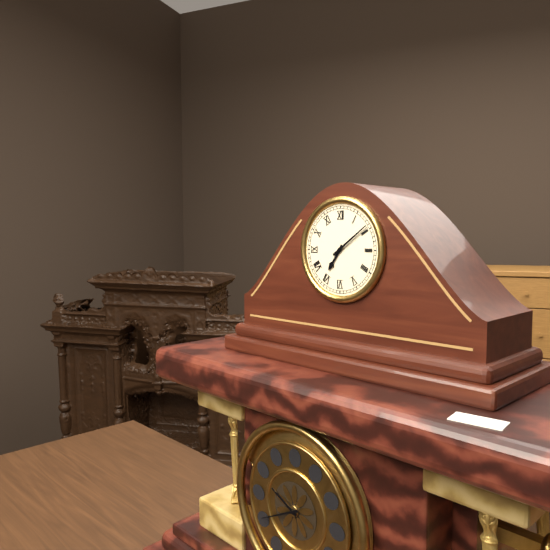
**7:09**
